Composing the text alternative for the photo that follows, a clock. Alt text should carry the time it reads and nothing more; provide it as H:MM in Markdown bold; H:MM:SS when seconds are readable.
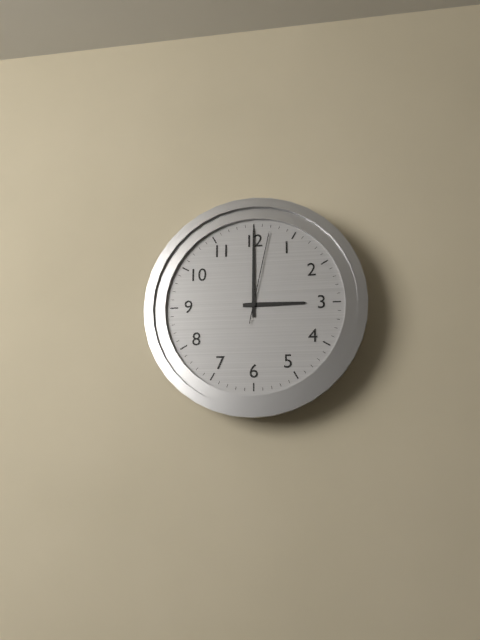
**3:00:02**
